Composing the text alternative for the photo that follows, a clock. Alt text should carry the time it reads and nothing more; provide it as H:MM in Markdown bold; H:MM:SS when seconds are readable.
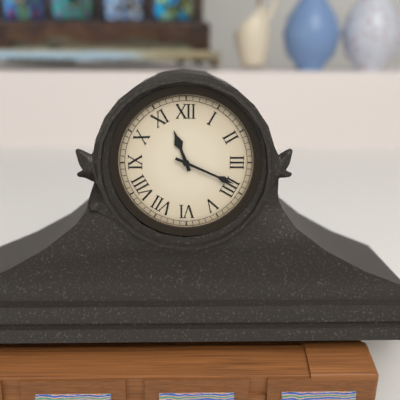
**11:19**
